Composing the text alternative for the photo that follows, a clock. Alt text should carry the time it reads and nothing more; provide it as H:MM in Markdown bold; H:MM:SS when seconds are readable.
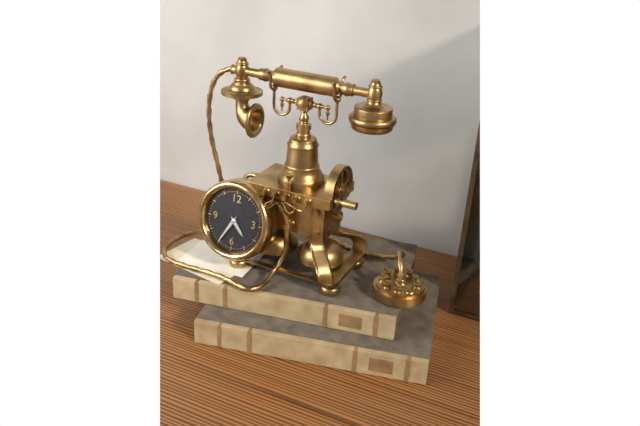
**4:35**
